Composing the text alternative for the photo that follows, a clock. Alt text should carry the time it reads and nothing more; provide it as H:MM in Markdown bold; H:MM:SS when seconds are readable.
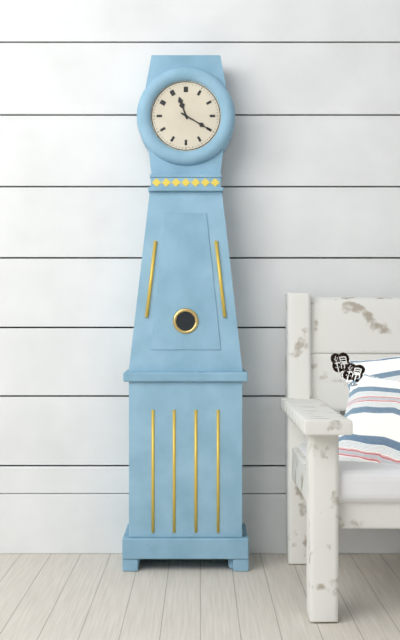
**11:20**
